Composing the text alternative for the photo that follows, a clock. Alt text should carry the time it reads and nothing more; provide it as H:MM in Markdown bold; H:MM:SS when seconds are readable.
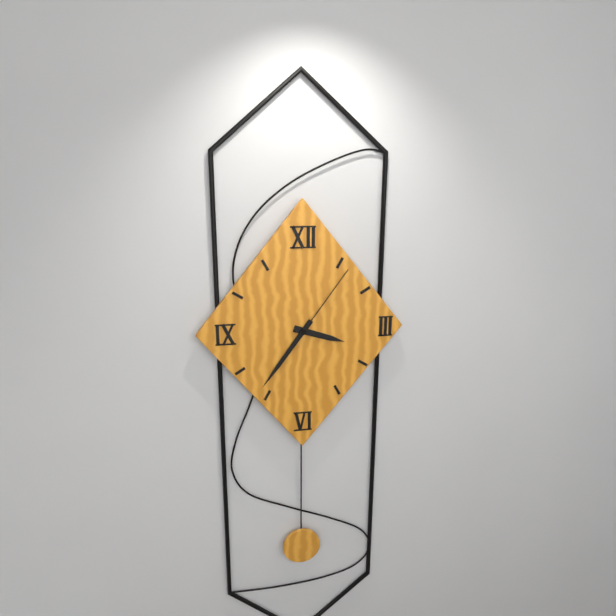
**3:36:06**
